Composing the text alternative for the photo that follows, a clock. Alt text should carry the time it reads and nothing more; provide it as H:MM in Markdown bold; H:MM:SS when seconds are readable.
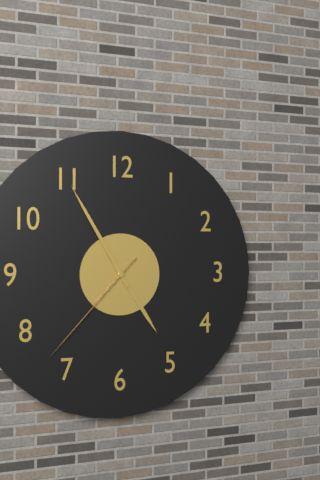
**4:55:37**
